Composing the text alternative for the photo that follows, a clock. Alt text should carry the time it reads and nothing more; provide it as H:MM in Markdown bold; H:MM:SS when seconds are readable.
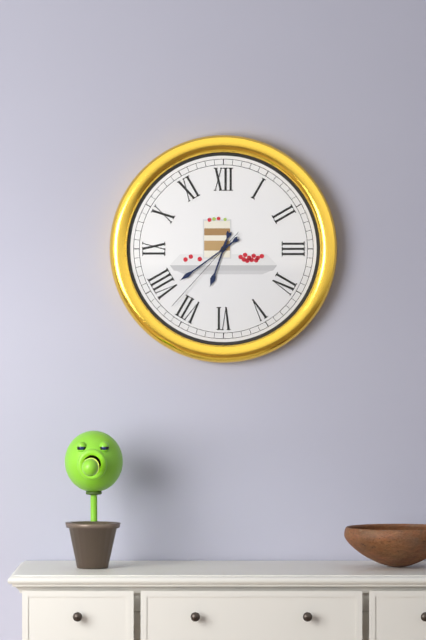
**6:39:37**
